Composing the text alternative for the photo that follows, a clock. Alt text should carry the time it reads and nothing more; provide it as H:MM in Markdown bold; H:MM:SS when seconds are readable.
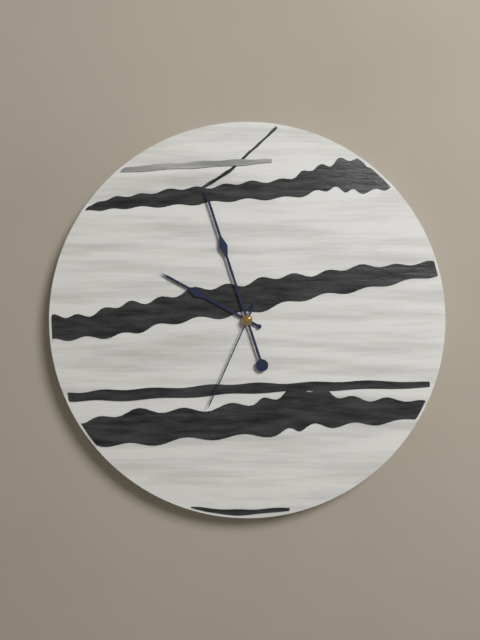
**9:57:34**
